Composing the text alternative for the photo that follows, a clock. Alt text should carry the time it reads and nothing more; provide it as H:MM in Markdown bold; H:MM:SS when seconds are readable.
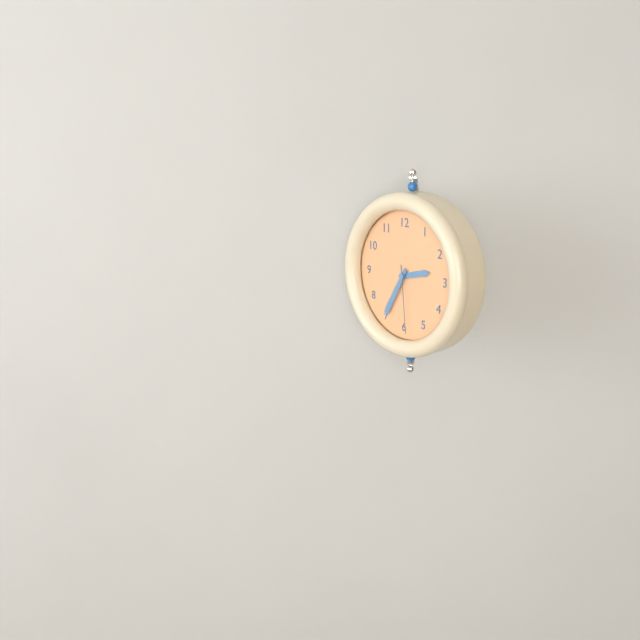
**2:35:29**
